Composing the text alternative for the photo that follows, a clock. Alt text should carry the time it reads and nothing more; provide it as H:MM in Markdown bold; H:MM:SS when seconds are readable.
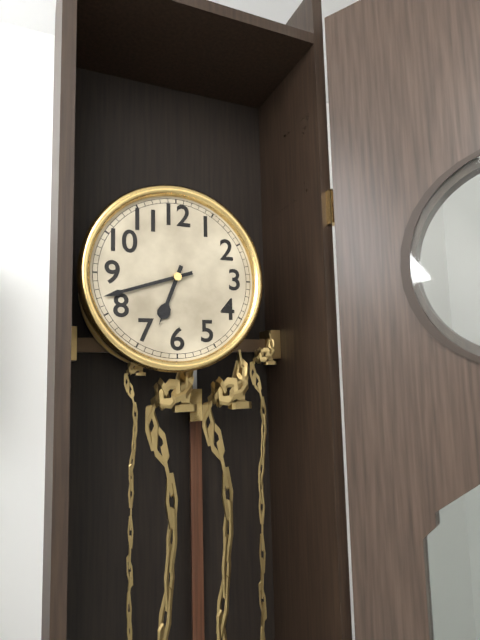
**6:42**
